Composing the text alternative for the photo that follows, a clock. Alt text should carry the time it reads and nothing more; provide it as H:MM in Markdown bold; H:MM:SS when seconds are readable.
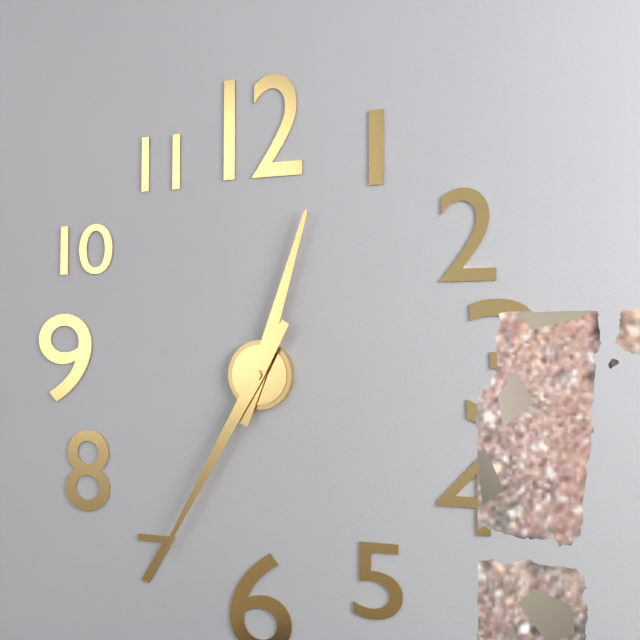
**12:35**
